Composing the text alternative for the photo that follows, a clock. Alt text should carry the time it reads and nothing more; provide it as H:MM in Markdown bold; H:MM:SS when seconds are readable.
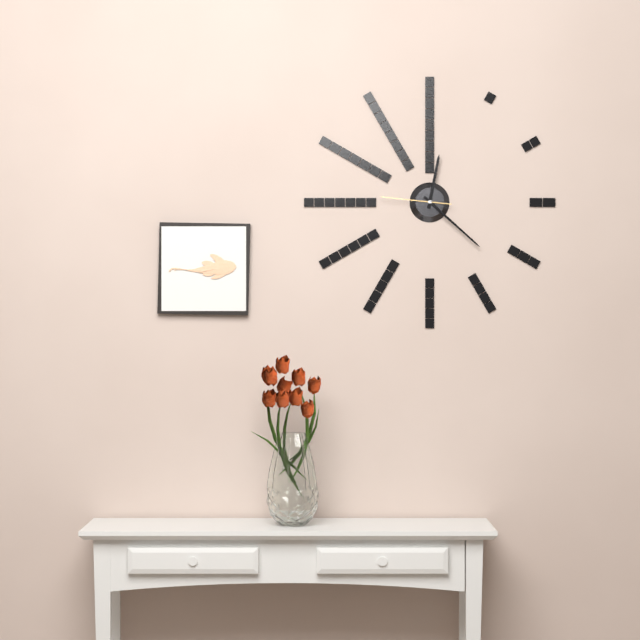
**12:22:46**
